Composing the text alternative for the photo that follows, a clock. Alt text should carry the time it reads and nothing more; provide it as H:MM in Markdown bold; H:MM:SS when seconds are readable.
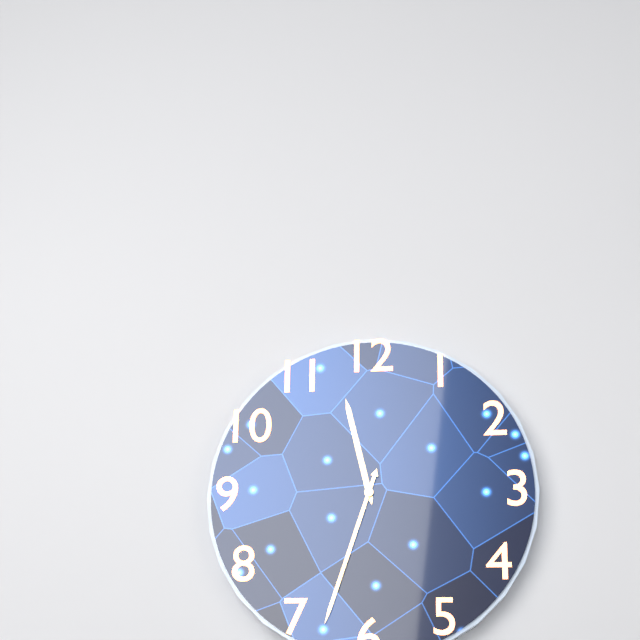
**11:33**
